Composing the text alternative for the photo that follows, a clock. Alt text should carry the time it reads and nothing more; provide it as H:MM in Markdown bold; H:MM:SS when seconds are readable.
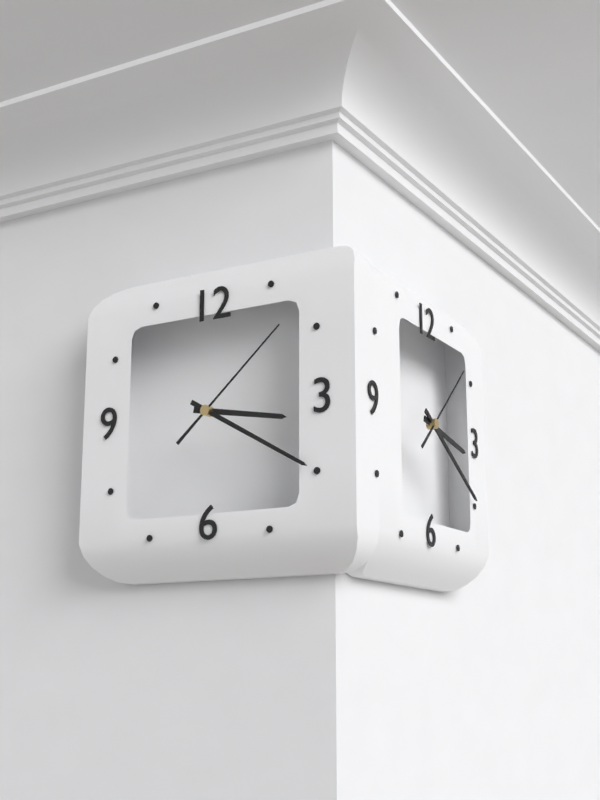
**3:20:08**
